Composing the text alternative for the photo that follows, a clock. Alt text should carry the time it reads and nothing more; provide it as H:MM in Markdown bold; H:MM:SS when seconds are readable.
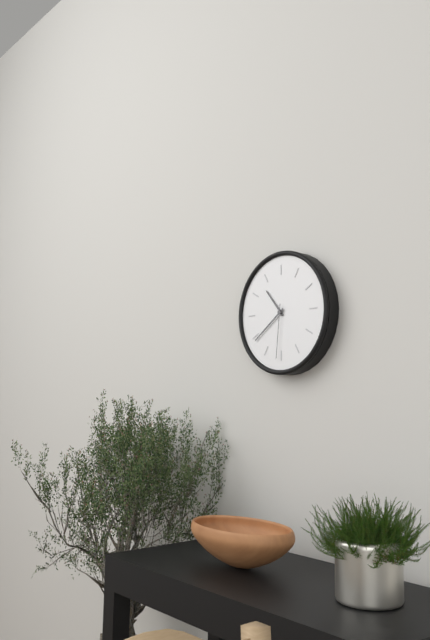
**10:39:31**
